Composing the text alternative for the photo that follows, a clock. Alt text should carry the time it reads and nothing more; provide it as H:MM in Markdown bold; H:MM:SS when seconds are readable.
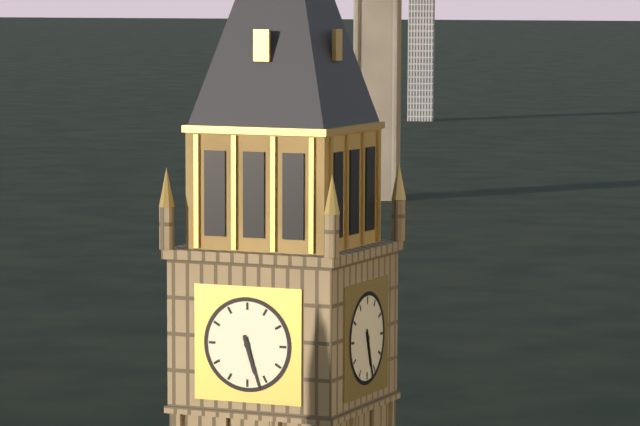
**5:27**
